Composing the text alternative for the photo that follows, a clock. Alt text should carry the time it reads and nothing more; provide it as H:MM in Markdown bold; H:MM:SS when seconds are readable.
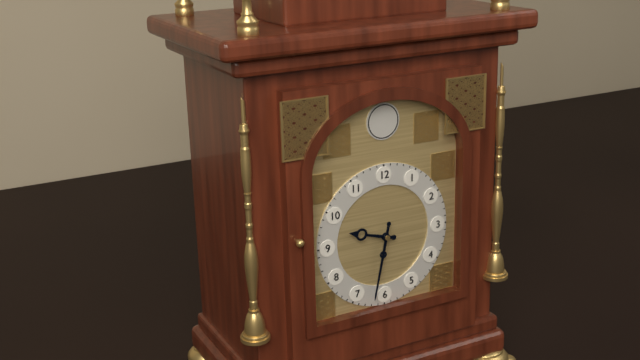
**9:32**
